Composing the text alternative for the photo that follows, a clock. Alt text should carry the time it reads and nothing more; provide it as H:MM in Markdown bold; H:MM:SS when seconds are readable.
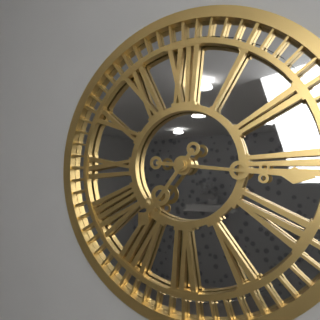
**7:16**
